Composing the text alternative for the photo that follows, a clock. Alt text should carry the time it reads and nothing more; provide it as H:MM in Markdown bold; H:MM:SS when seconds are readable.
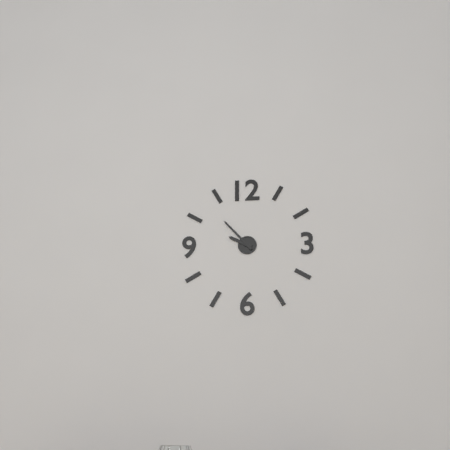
**9:53**
